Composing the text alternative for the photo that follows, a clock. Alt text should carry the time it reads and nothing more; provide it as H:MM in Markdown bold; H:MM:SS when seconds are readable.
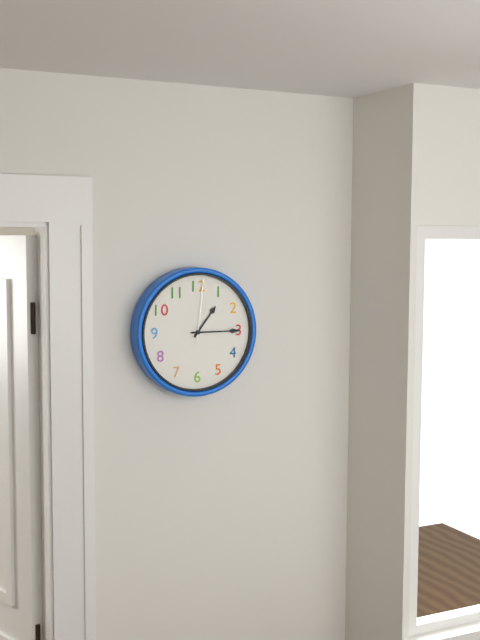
**1:15:01**
